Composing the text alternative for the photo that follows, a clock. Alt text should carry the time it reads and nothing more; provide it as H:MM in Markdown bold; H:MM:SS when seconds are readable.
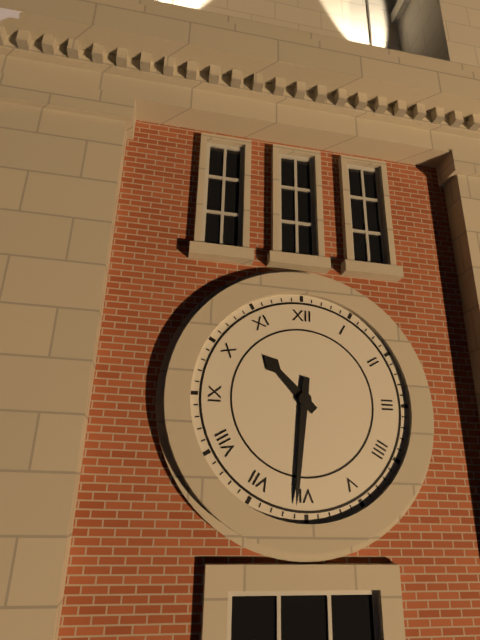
**10:31**
